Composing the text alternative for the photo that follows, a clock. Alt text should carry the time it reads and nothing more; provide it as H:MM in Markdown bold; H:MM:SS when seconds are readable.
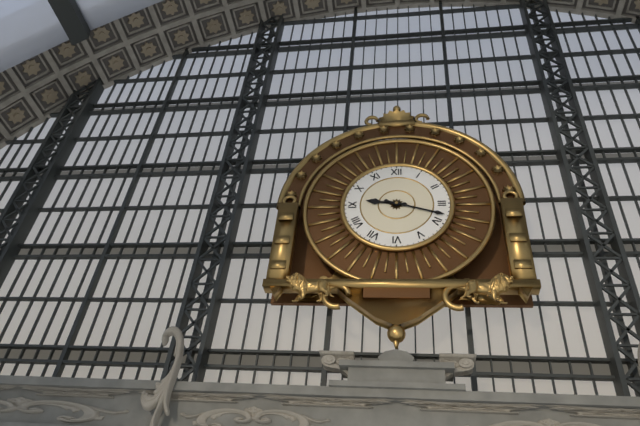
**9:18**
